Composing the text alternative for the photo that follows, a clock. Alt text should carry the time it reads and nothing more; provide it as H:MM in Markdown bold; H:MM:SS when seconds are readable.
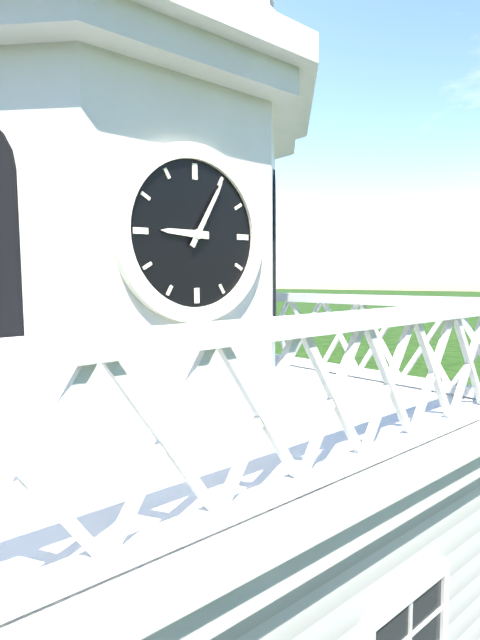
**9:05**
